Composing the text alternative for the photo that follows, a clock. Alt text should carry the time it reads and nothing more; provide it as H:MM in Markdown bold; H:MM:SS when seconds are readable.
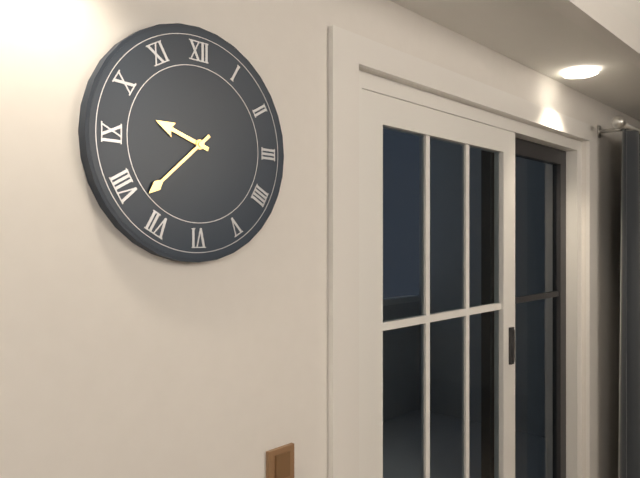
**9:38**
